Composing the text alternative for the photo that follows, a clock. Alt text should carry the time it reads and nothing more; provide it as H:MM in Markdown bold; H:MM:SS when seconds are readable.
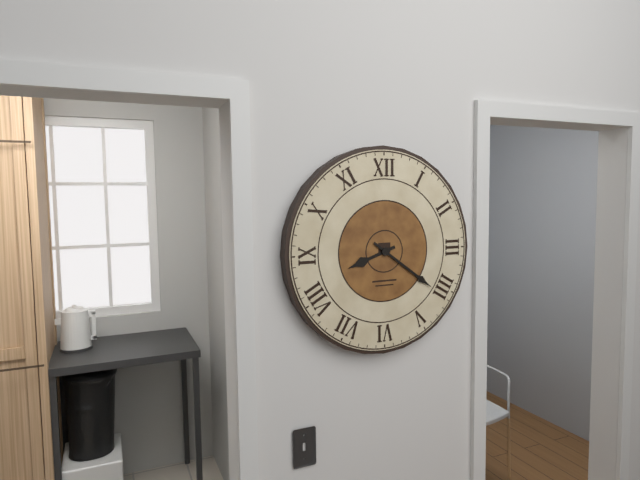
**8:21**
